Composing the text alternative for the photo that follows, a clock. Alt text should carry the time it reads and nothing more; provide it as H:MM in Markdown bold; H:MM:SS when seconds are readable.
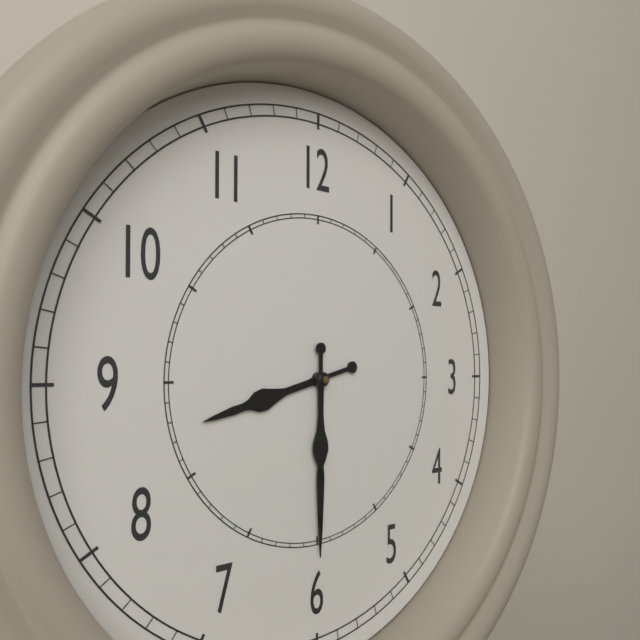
**8:30**
